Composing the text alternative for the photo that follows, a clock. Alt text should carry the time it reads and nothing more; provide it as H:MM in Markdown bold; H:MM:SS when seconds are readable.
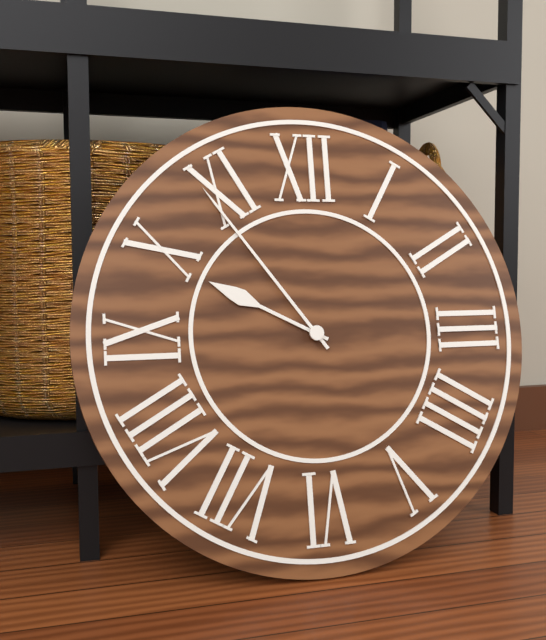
**9:54**
